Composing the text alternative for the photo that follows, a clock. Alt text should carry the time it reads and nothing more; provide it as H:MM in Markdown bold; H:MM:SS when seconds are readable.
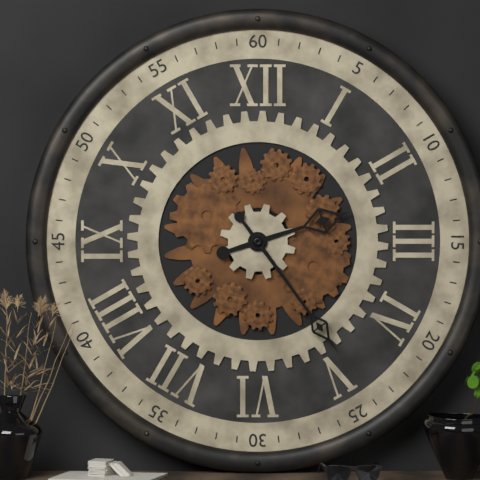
**2:24**
